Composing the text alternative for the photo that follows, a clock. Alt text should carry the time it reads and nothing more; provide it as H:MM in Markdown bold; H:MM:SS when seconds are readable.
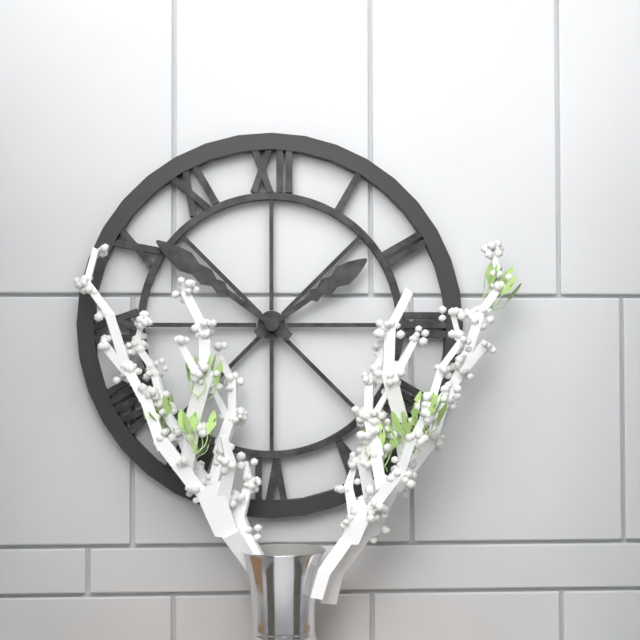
**1:51**
